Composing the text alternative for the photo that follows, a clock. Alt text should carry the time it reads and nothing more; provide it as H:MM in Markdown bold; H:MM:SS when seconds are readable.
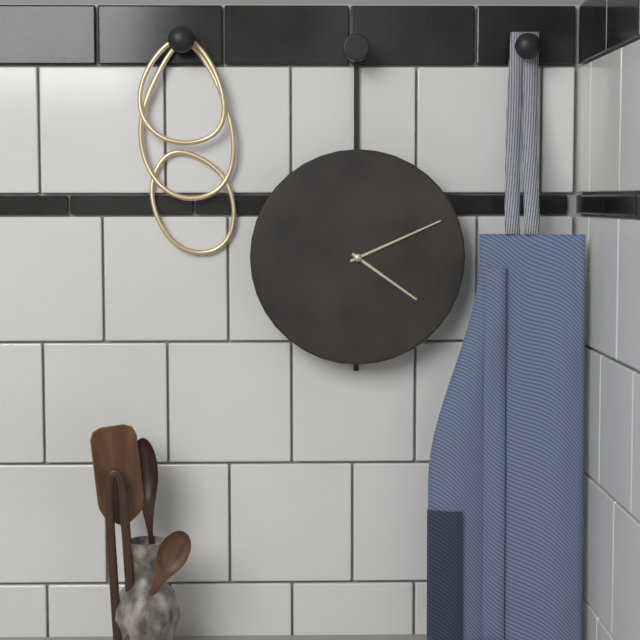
**4:11**
